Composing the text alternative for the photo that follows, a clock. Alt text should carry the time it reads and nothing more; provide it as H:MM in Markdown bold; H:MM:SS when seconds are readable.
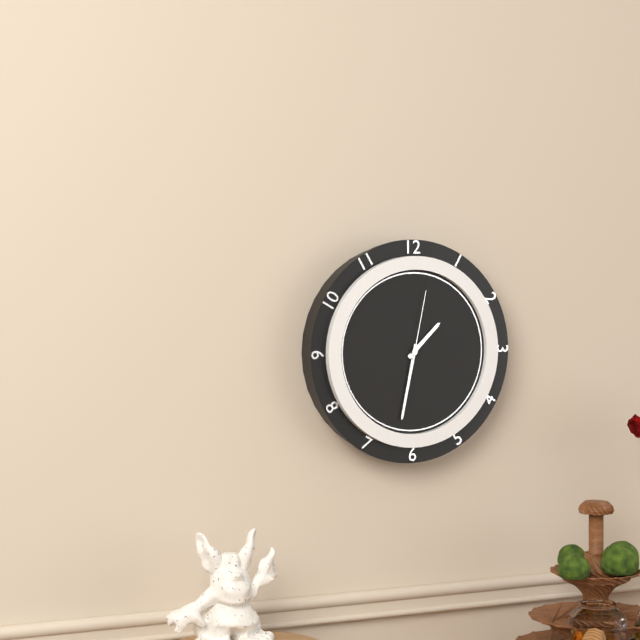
**1:32:02**
